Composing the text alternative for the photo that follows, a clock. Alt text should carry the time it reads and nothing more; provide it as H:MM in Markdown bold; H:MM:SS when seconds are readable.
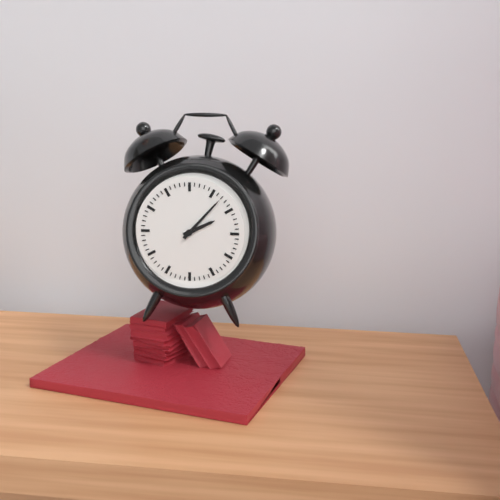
**2:07**
